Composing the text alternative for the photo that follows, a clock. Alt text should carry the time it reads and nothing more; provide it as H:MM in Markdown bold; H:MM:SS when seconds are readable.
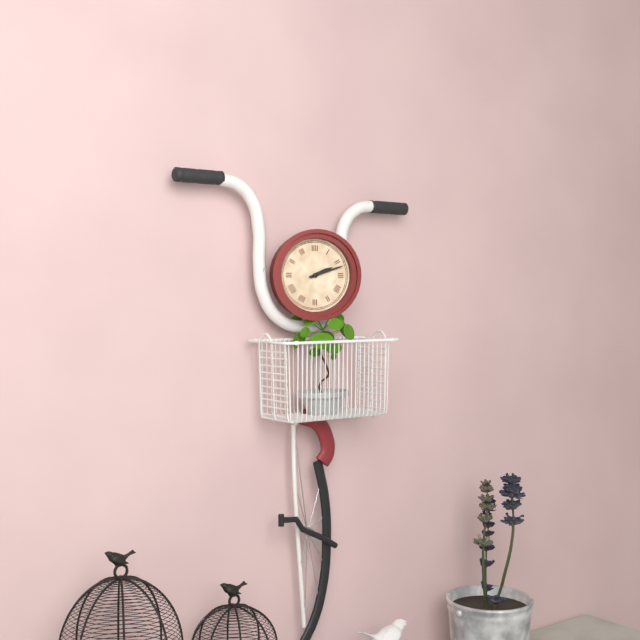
**2:12**
